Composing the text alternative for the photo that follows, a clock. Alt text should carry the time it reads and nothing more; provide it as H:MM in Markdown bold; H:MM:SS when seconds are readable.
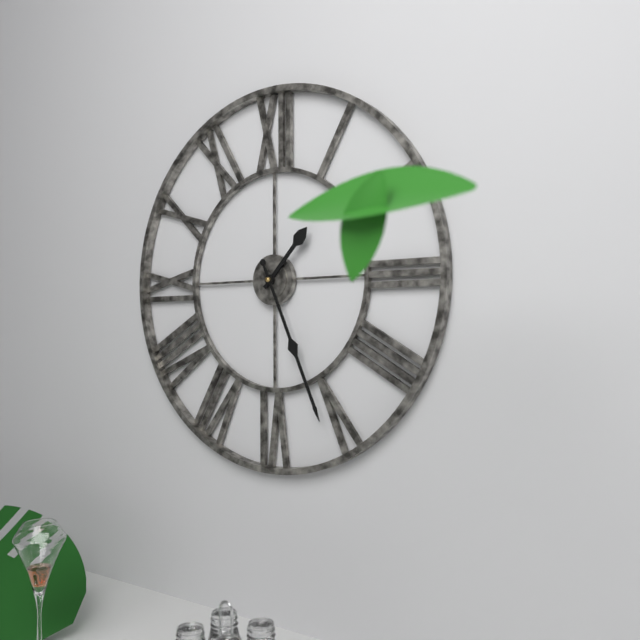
**1:26**
